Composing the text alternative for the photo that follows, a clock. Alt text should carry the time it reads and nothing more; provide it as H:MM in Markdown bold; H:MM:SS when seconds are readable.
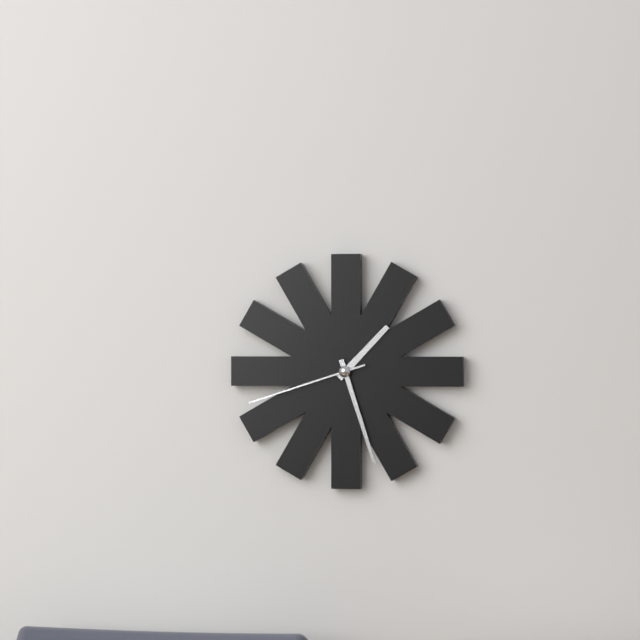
**1:27:42**
